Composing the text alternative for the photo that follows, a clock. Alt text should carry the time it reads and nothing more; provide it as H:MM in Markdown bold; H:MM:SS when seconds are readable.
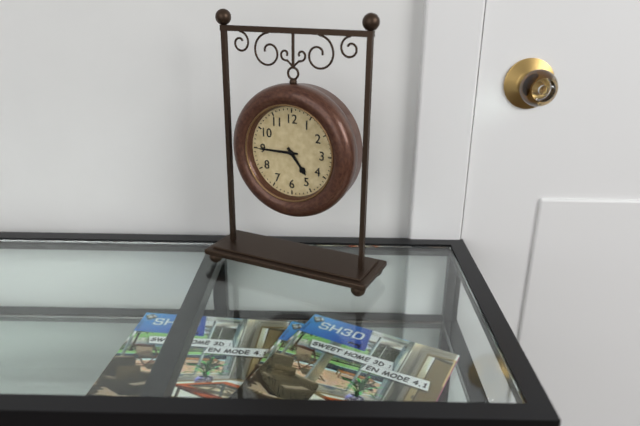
**4:45**
